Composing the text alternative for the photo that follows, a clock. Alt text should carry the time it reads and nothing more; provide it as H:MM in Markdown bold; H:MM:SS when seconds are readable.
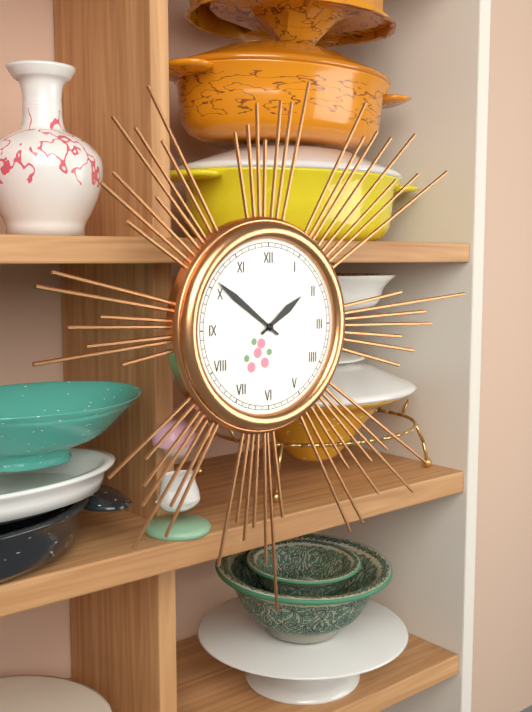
**1:51**
